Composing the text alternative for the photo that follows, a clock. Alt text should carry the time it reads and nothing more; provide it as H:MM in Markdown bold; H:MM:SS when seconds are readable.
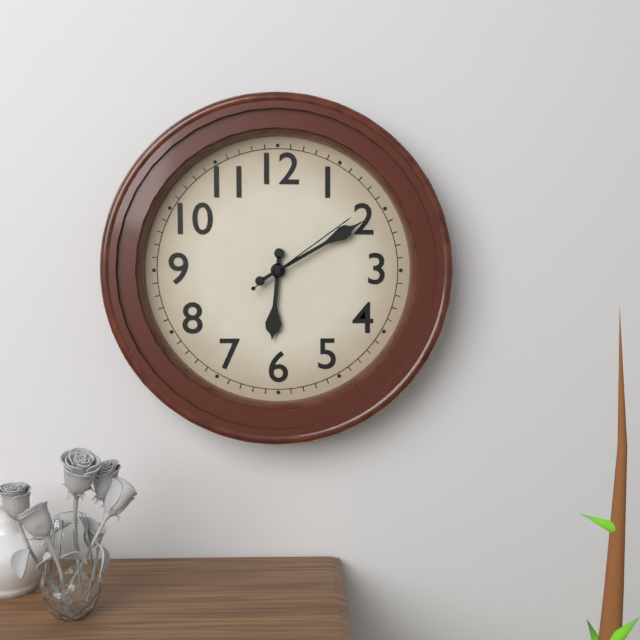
**6:10:09**
